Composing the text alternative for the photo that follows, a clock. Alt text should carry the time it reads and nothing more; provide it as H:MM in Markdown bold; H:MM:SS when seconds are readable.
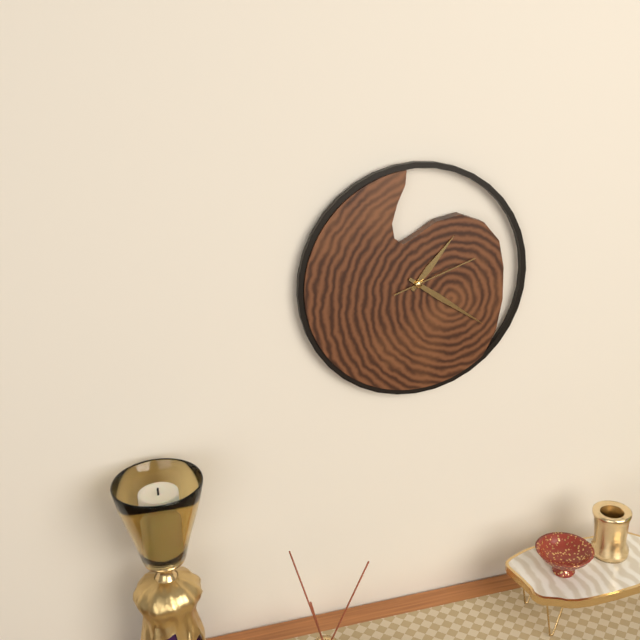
**1:21:12**
